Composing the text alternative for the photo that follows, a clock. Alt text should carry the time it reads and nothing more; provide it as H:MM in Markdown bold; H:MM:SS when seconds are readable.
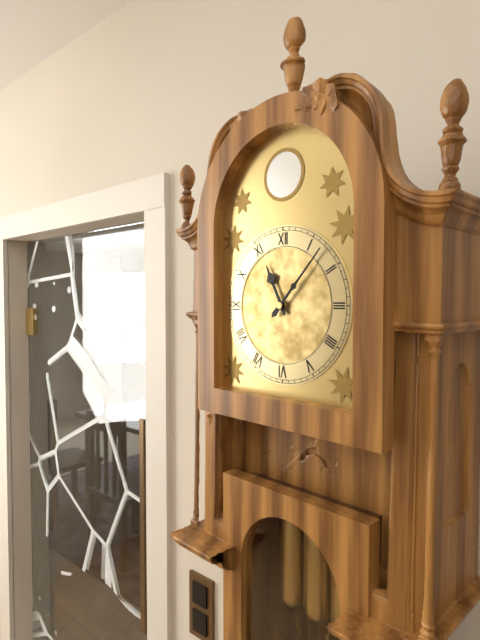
**11:07**
